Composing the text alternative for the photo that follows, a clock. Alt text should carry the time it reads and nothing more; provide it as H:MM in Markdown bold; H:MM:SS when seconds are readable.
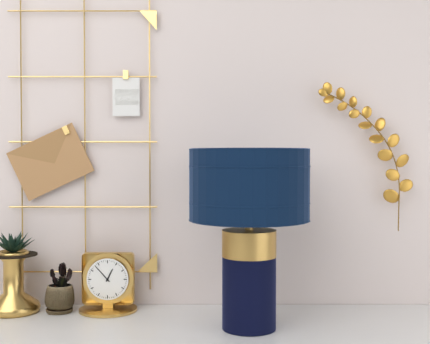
**12:53**
